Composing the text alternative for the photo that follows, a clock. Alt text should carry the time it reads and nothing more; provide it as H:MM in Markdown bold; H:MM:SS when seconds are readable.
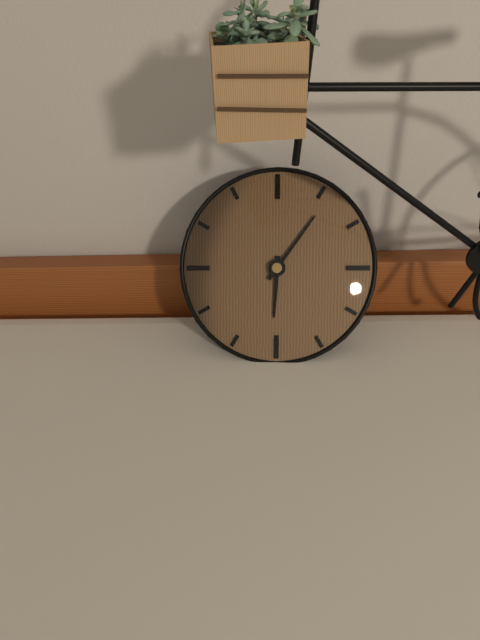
**6:06**
